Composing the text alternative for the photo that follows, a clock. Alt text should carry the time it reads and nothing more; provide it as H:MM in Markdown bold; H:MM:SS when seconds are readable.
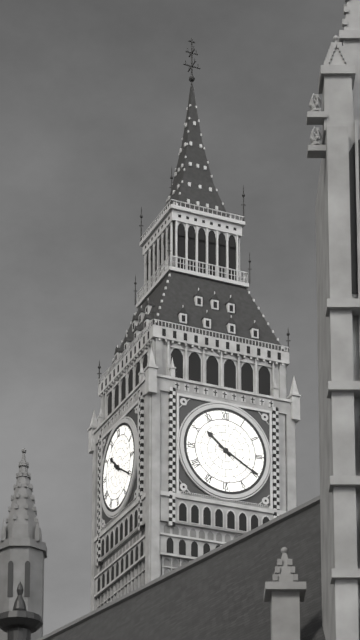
**10:20**
